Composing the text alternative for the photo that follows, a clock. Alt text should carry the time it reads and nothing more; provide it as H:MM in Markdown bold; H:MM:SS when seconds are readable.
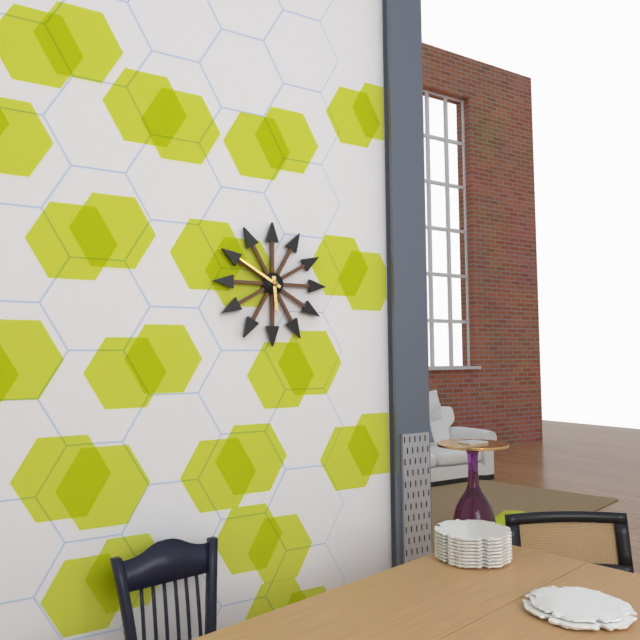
**5:50**
